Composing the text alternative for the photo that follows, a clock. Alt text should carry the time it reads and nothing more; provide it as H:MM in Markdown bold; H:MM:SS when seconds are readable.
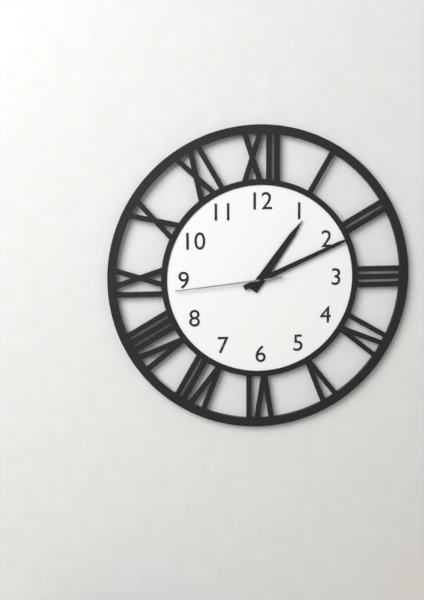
**1:11:44**
